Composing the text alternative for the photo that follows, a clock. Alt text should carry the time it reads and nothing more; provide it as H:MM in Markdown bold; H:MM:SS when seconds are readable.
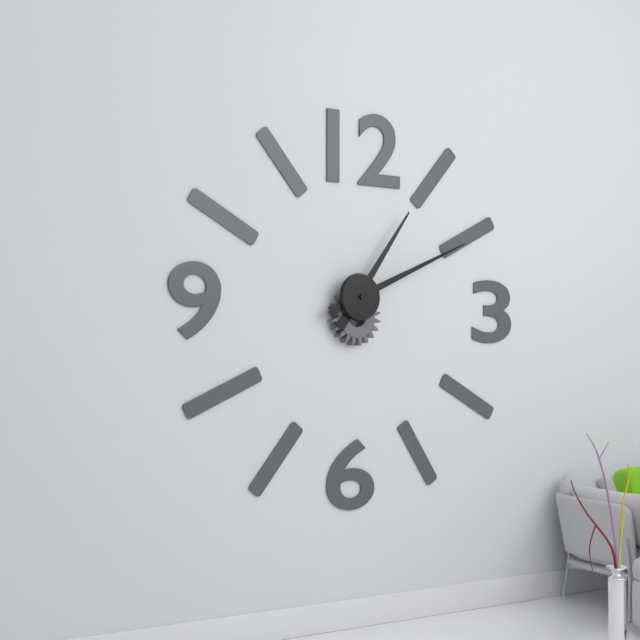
**1:11**
